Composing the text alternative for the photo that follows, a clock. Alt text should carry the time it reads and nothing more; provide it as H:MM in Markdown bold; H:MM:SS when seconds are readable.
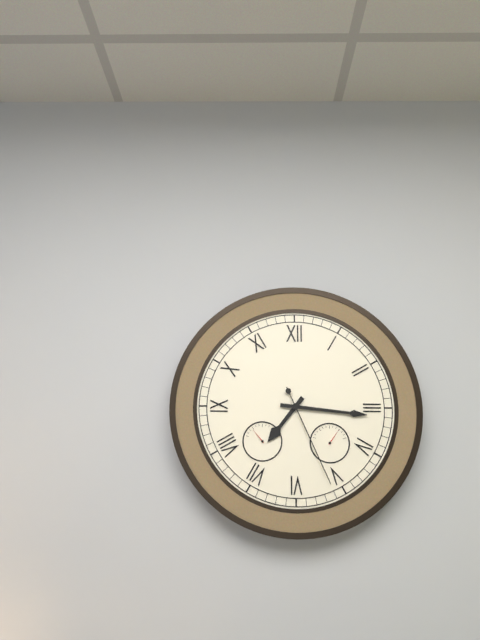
**7:16:26**
